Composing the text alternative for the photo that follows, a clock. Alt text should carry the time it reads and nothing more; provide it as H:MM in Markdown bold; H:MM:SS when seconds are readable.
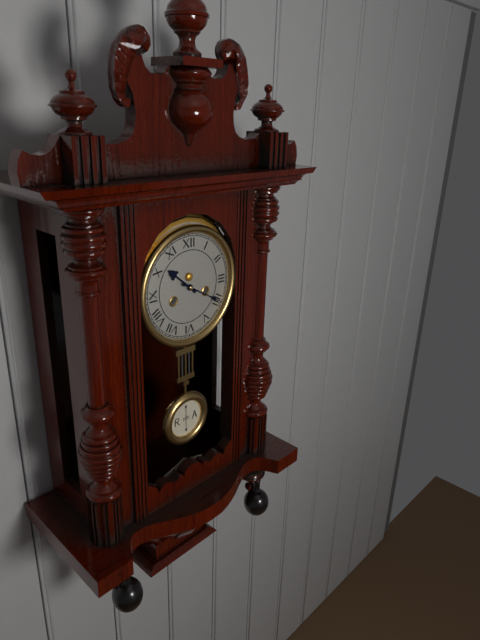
**10:20**
